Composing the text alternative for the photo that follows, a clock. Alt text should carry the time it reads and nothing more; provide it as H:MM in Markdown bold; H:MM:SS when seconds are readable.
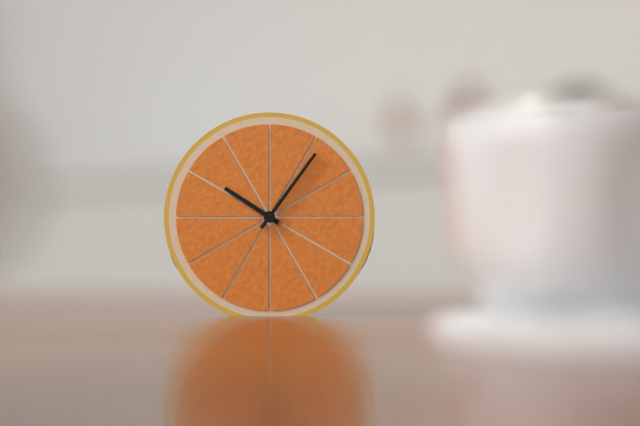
**10:06**
